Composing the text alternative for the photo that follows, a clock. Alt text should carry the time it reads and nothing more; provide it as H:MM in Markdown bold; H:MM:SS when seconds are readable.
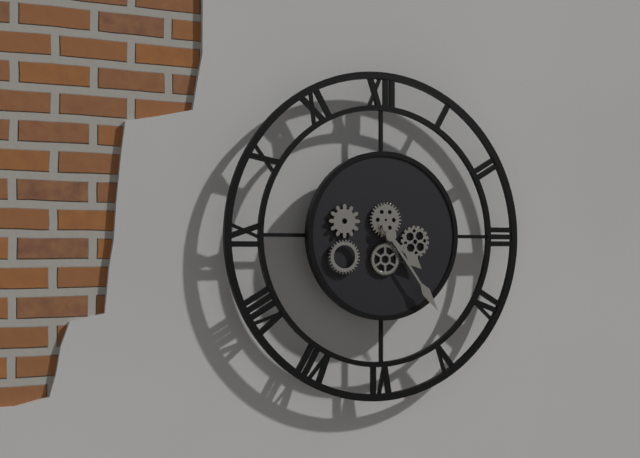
**4:24**
